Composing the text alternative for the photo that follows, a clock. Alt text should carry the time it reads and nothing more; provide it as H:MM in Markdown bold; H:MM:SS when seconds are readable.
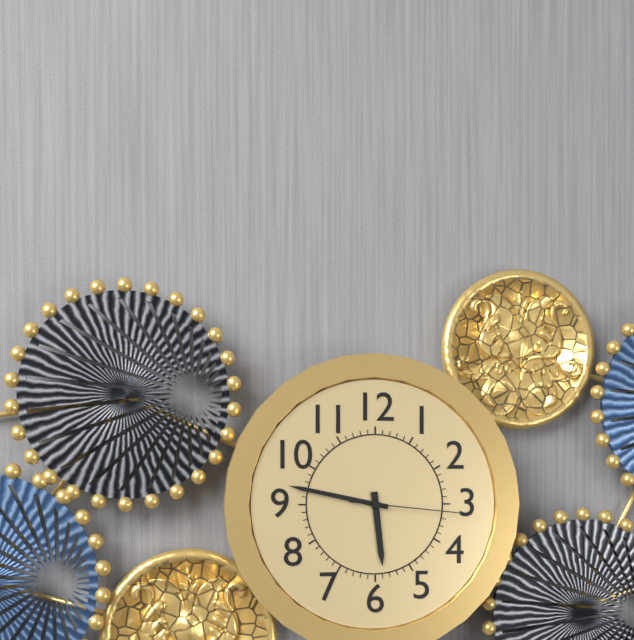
**5:47:16**
